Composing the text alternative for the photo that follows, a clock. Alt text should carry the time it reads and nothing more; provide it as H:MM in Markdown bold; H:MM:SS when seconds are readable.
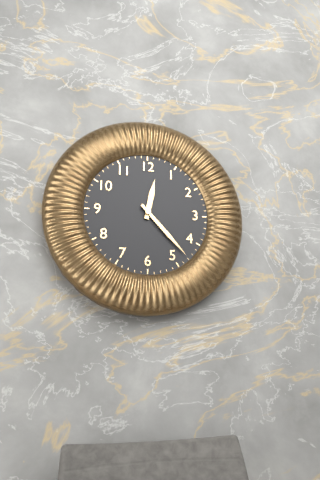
**12:23**
